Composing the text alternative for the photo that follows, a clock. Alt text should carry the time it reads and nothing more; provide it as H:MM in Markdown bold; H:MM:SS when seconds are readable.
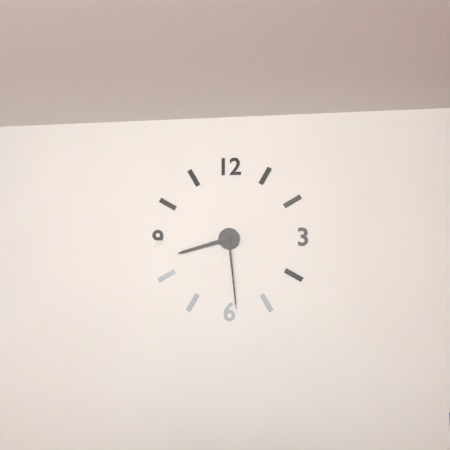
**8:29**
